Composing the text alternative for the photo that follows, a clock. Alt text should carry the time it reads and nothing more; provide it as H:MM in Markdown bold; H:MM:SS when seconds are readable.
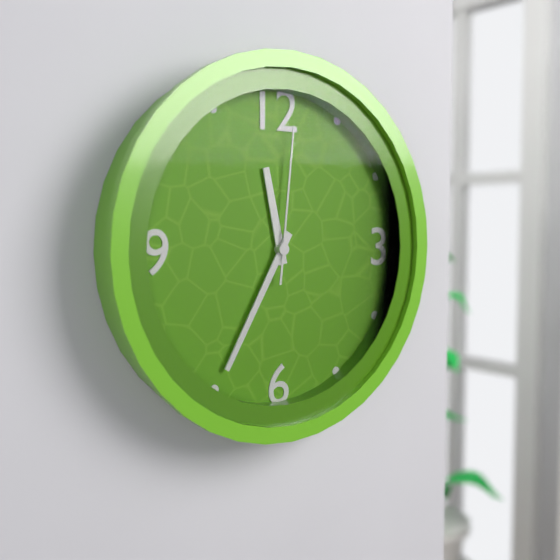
**11:35:01**
